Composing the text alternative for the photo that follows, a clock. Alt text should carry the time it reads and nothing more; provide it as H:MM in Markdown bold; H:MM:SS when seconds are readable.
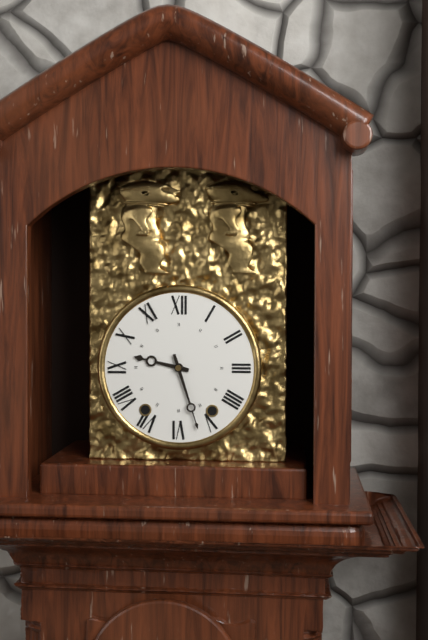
**9:27**
